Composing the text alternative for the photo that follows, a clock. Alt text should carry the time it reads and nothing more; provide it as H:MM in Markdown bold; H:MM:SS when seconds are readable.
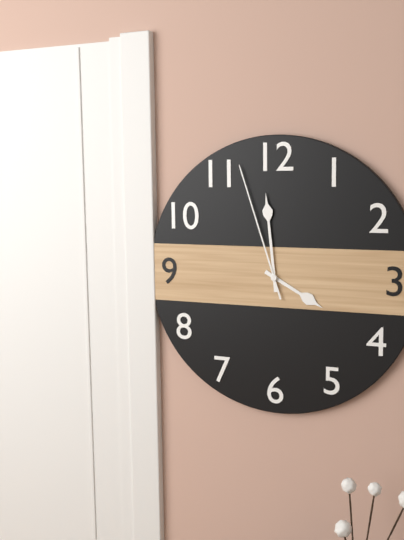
**3:59:57**
